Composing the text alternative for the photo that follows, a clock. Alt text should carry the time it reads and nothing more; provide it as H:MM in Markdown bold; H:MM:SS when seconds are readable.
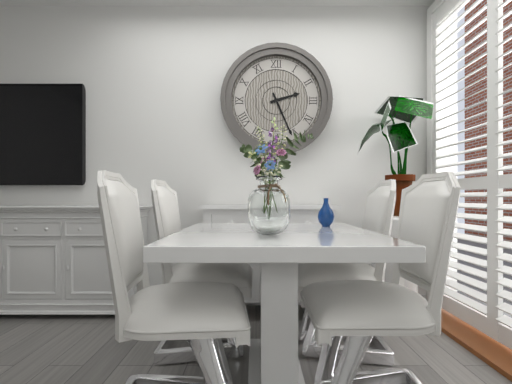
**2:26**
